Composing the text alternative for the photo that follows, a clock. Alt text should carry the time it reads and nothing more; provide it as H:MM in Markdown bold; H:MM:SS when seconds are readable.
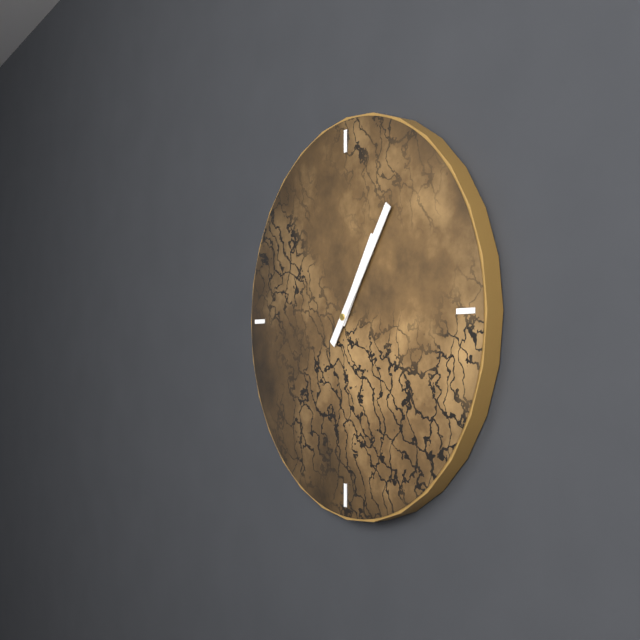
**1:06**
